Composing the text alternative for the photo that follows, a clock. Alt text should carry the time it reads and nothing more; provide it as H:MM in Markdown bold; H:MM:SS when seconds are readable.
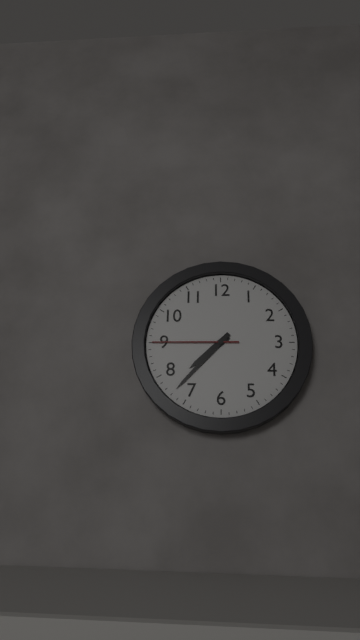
**7:37:45**
